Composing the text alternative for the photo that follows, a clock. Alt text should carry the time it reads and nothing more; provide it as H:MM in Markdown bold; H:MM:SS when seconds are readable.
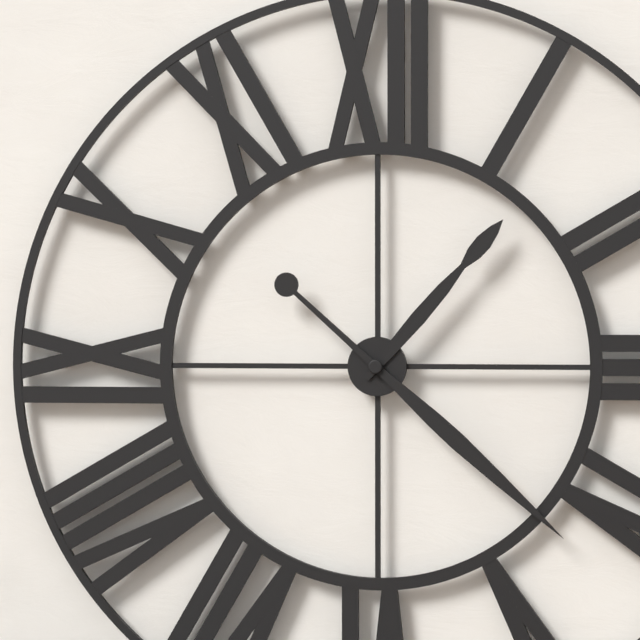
**1:22**
